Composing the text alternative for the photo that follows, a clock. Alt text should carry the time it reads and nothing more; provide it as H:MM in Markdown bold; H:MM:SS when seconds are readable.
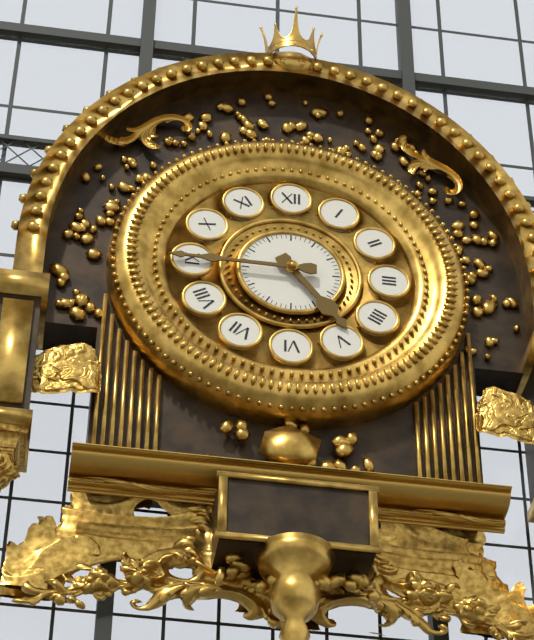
**4:45**
